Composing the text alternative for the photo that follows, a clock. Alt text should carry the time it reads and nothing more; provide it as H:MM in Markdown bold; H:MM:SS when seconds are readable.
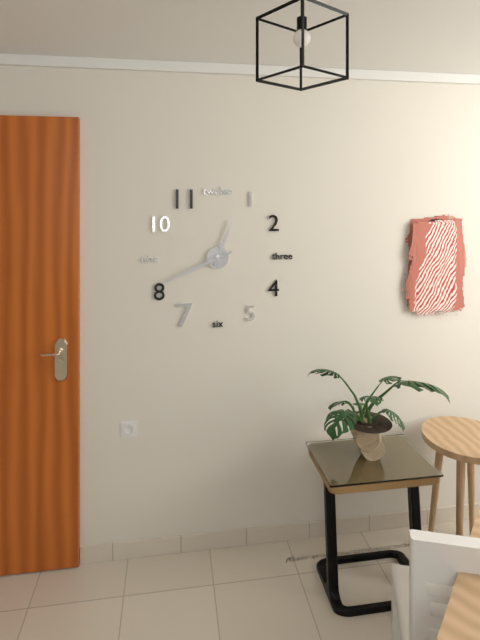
**12:41**
